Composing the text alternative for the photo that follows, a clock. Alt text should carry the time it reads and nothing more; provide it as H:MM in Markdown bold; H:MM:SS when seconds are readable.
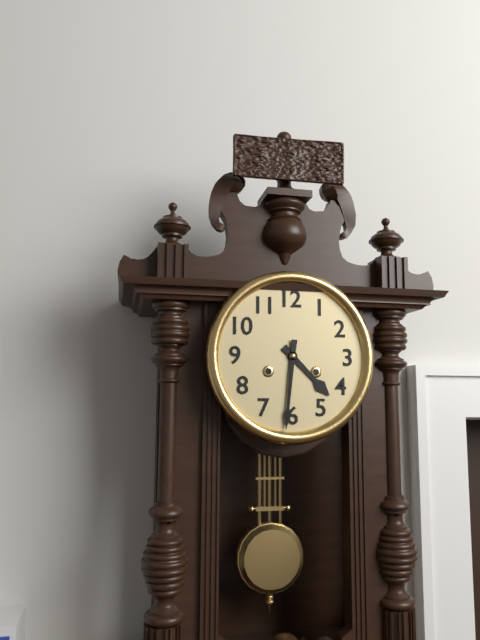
**4:31**
